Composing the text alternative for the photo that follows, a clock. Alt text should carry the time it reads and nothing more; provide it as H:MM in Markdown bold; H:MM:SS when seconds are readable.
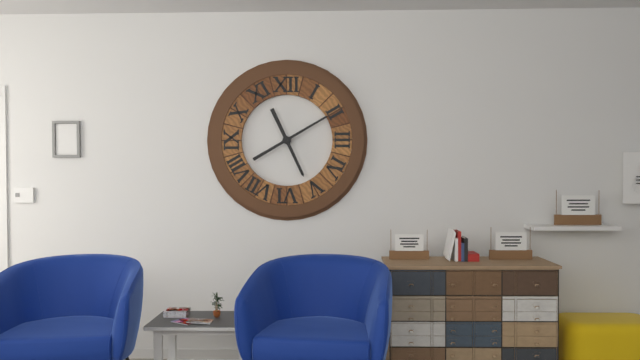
**5:10**
